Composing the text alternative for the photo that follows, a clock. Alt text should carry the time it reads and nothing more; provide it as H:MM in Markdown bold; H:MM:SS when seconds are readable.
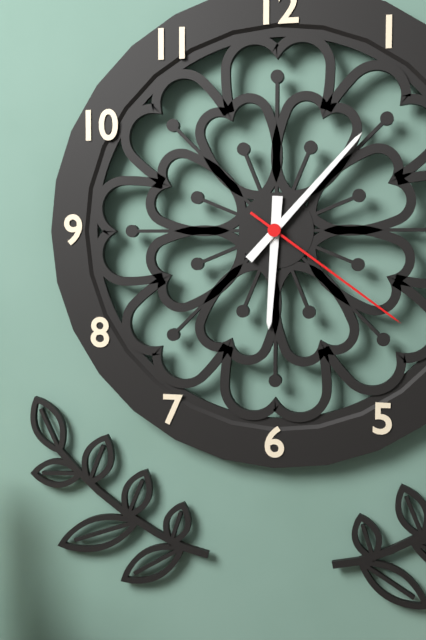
**6:07:21**
